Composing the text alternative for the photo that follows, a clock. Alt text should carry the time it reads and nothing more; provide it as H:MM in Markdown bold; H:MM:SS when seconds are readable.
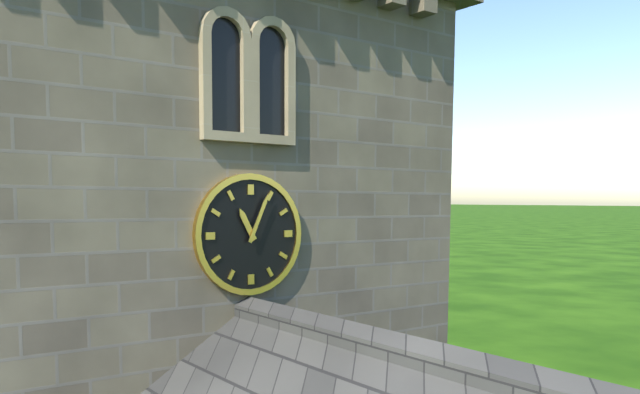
**11:04**
